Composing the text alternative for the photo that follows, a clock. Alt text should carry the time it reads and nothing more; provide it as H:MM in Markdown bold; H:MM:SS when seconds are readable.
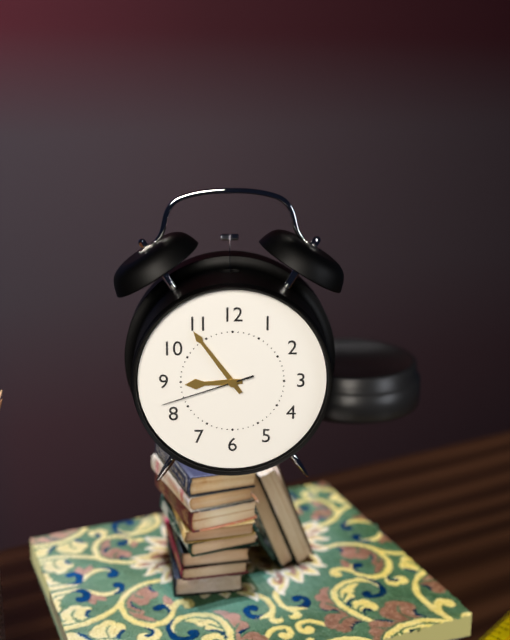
**8:54:42**
